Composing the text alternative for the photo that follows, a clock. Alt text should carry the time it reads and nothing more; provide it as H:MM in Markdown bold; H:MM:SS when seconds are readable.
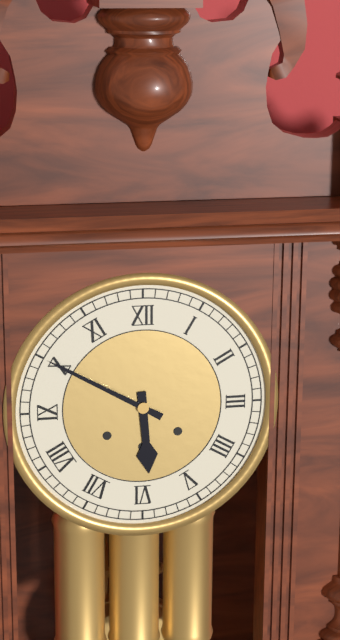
**5:50**
